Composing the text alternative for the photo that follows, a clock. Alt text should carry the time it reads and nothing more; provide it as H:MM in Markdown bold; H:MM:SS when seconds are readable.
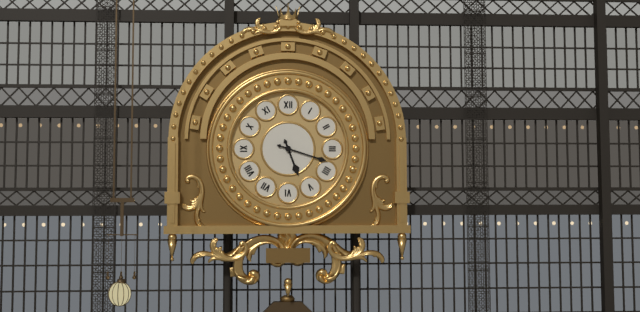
**5:18**
